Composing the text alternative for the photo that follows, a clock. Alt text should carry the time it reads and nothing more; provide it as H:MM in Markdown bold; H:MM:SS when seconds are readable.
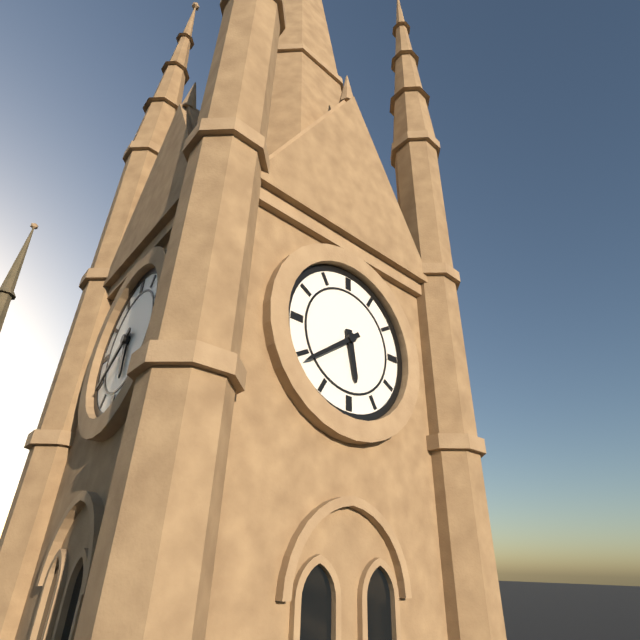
**5:39**
